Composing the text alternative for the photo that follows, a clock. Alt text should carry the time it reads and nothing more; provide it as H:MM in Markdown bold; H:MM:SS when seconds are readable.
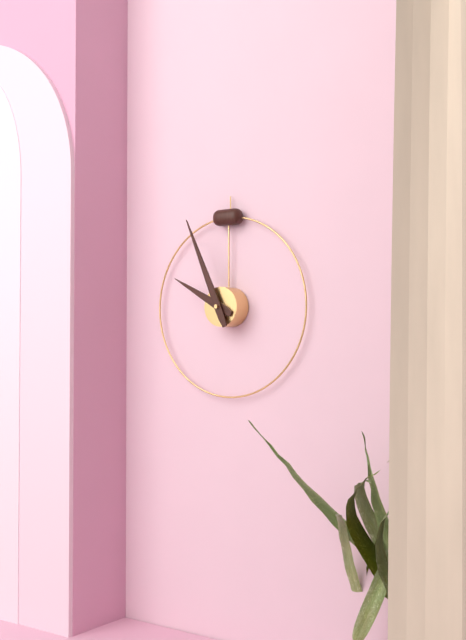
**9:56**
